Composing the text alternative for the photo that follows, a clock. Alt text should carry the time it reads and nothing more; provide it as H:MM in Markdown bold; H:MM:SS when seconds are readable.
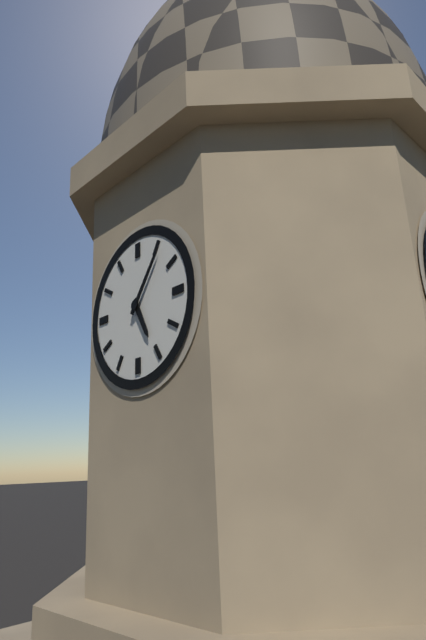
**5:06**
